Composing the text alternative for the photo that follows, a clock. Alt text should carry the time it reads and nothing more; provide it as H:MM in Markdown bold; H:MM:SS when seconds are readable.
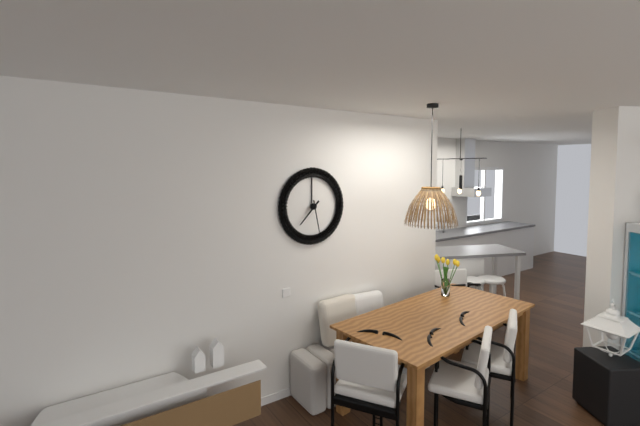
**7:28**
